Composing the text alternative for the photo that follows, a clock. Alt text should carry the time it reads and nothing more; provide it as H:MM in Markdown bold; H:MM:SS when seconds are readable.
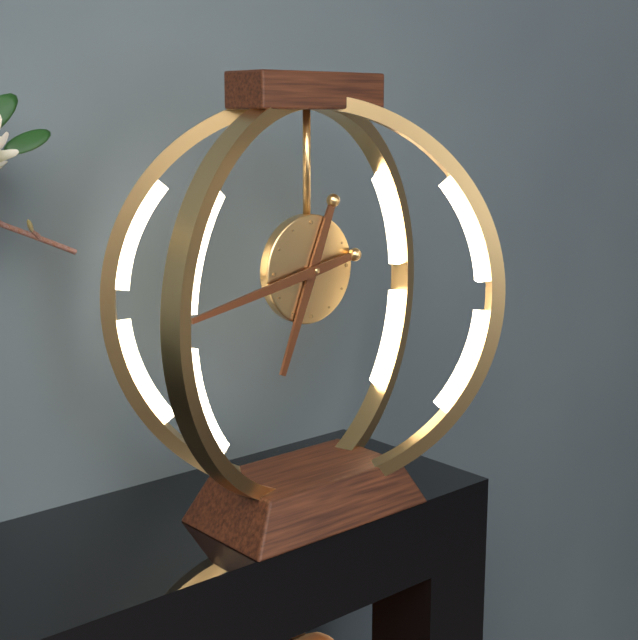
**6:43**
